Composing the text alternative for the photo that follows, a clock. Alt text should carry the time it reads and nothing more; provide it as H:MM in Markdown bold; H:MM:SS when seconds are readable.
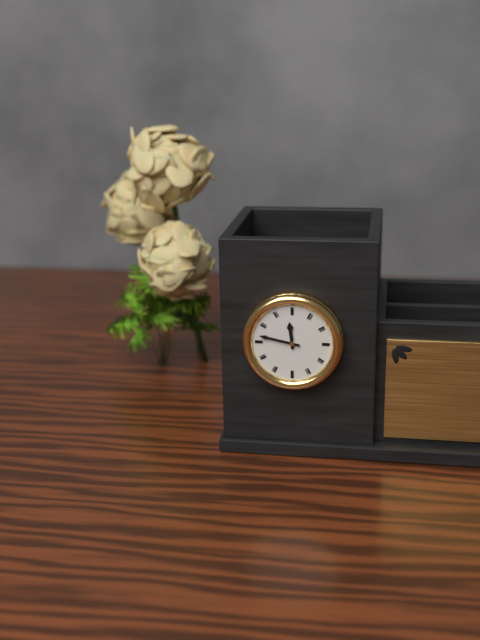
**11:47**
